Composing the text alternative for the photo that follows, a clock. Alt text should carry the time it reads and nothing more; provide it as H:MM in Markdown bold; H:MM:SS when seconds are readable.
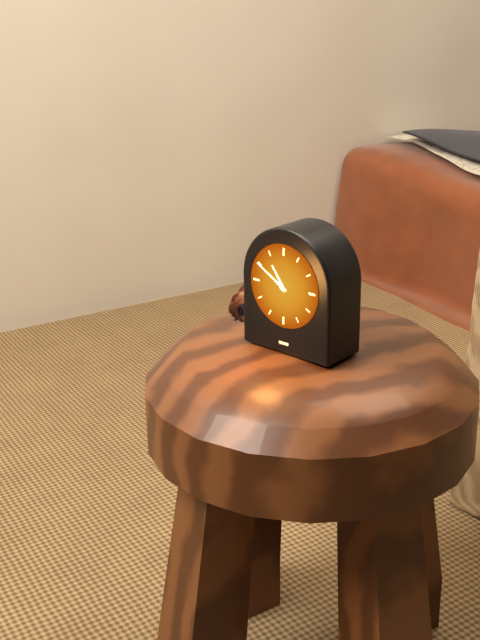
**10:50**
